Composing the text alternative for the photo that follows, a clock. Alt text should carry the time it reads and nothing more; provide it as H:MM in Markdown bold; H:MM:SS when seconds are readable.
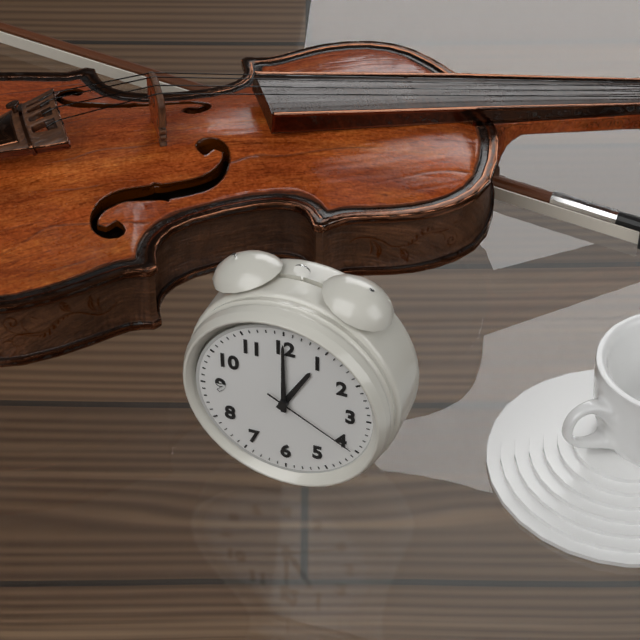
**1:00:20**
